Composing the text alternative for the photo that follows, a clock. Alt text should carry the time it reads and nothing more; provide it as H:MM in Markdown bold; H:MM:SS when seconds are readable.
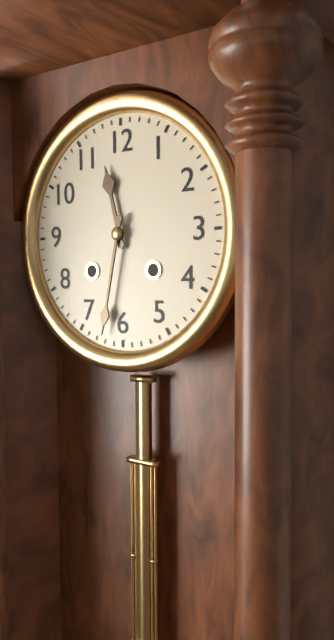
**11:32**
